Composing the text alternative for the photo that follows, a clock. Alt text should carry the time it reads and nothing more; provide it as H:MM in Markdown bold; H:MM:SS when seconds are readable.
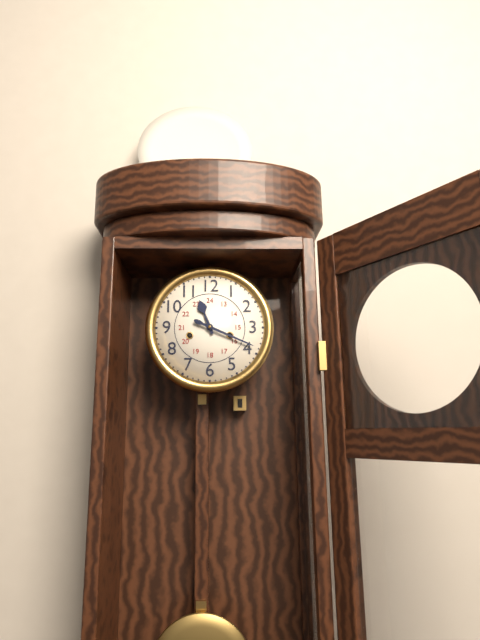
**11:19**
